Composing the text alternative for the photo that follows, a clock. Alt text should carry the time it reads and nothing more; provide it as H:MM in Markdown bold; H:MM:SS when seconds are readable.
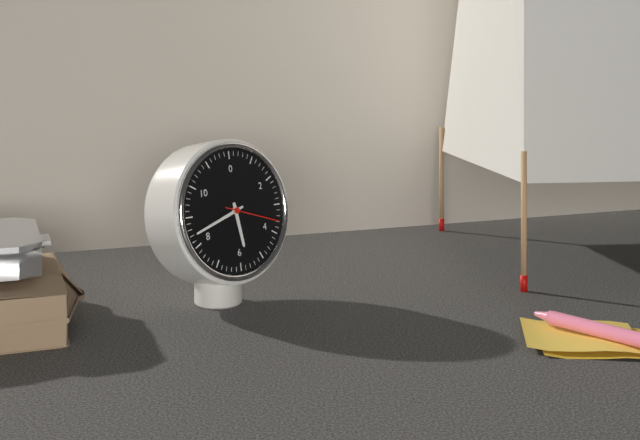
**5:42:18**
